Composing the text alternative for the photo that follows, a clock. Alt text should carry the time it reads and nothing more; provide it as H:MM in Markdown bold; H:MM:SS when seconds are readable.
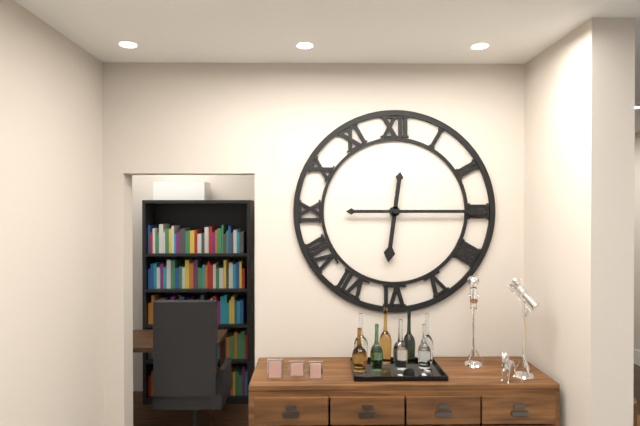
**6:15**
